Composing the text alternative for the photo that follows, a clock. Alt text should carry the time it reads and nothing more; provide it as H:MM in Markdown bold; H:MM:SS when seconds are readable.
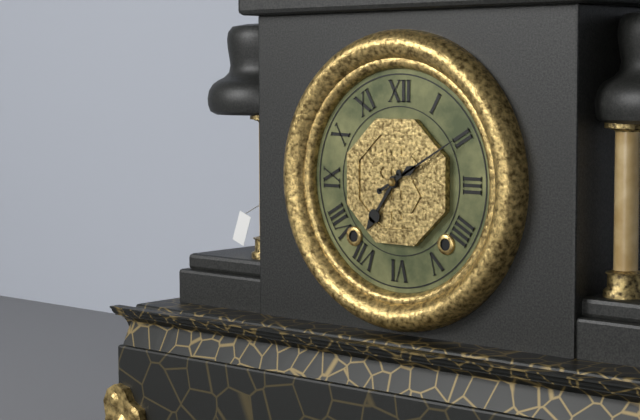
**7:10**
